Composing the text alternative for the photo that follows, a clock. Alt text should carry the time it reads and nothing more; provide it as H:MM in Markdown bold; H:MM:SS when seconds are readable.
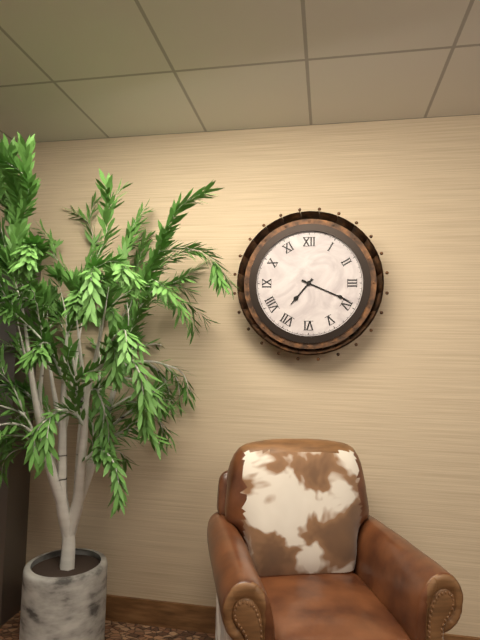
**7:19**
